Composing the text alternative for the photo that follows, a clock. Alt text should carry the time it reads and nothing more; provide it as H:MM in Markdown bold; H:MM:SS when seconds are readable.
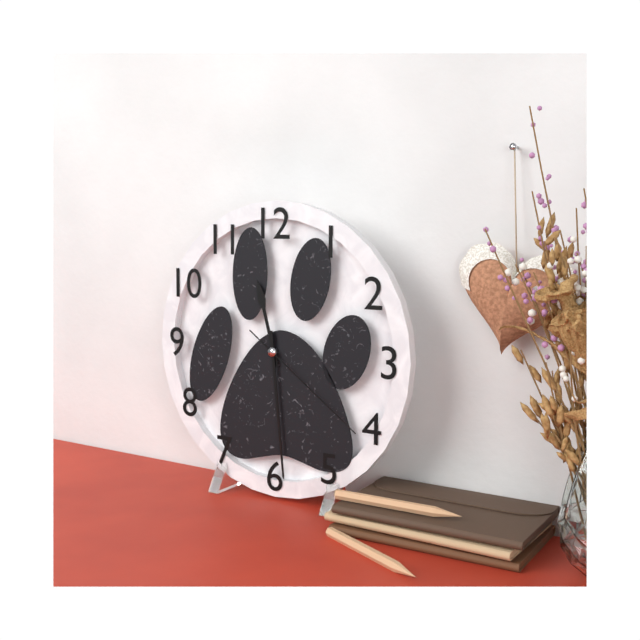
**11:29:21**
